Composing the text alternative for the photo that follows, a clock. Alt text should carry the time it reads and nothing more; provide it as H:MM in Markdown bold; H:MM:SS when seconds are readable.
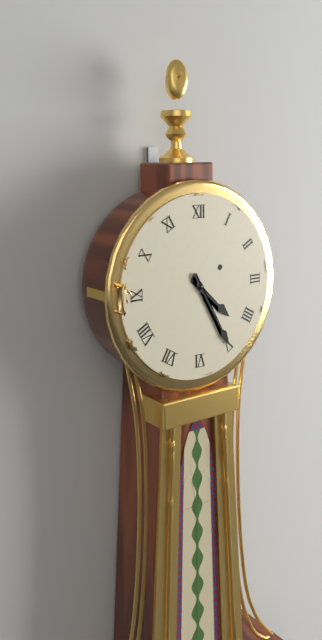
**4:25**
